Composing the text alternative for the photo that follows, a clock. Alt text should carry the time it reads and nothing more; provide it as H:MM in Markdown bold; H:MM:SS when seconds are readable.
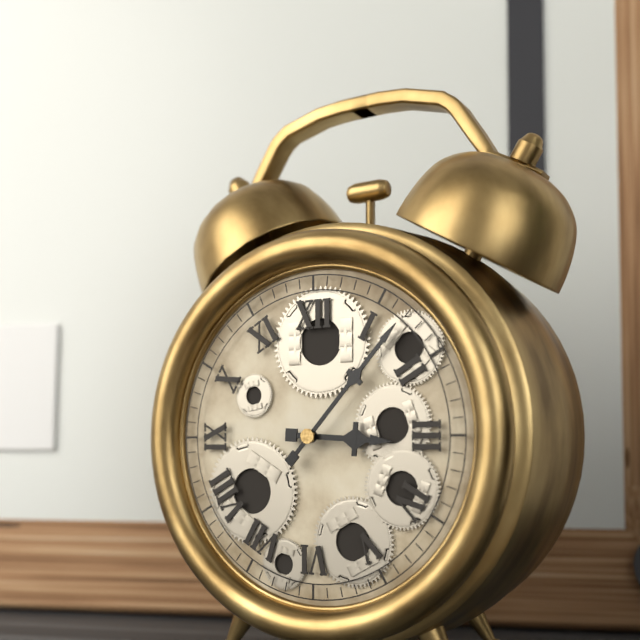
**3:07**
